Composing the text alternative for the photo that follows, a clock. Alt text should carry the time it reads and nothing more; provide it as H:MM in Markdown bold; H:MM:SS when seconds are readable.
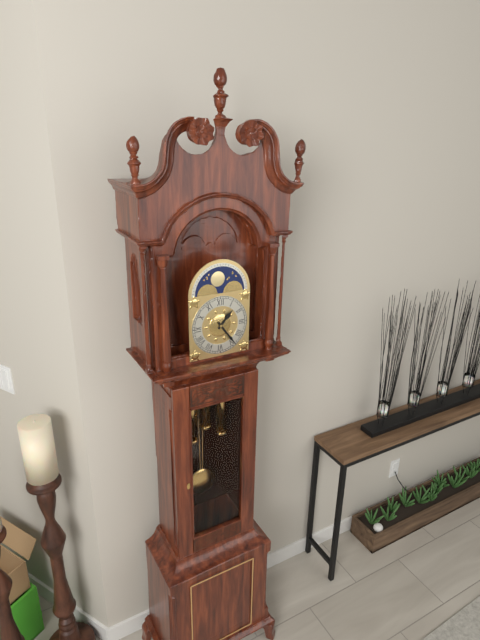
**1:24**
